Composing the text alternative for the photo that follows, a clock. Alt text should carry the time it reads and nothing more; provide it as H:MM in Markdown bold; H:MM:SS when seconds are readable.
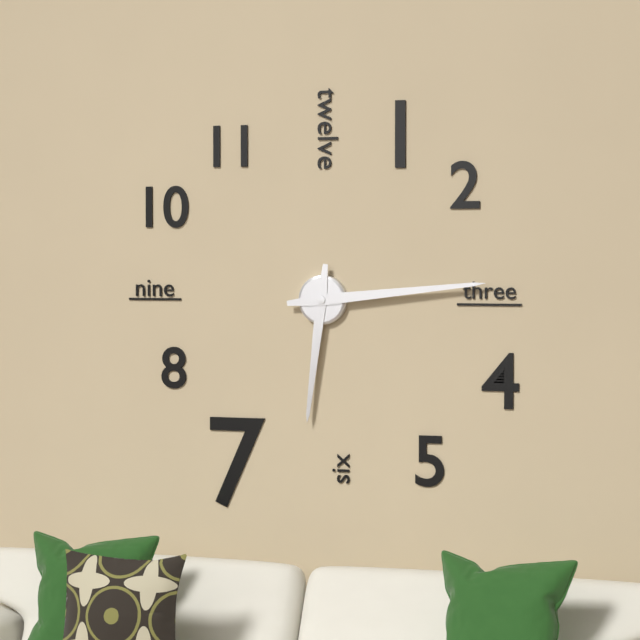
**6:14**
